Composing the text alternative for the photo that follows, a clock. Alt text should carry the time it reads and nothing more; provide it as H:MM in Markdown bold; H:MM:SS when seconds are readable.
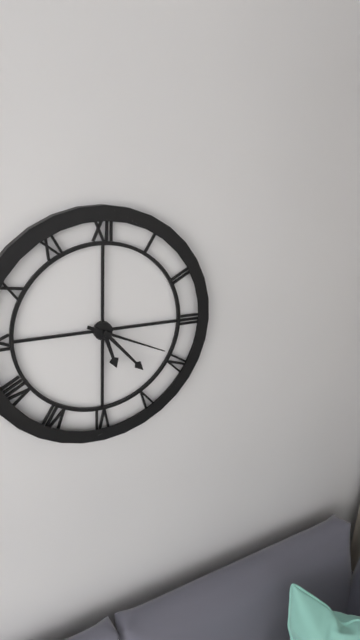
**5:23:19**
